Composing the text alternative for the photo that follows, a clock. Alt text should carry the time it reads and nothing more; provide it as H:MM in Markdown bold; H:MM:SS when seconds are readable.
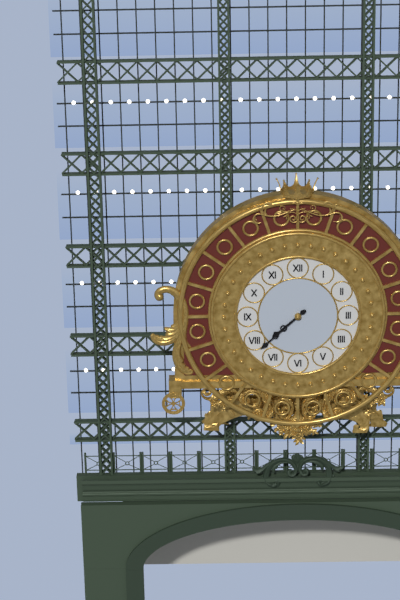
**7:38**
